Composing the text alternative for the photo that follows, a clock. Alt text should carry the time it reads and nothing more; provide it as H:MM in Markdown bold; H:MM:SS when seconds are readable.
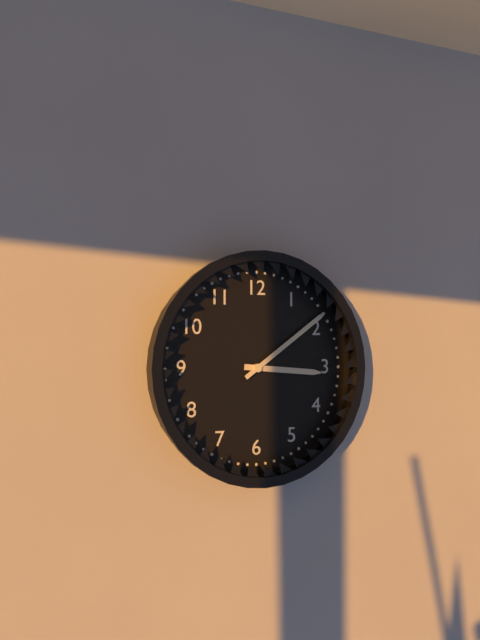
**3:09**
